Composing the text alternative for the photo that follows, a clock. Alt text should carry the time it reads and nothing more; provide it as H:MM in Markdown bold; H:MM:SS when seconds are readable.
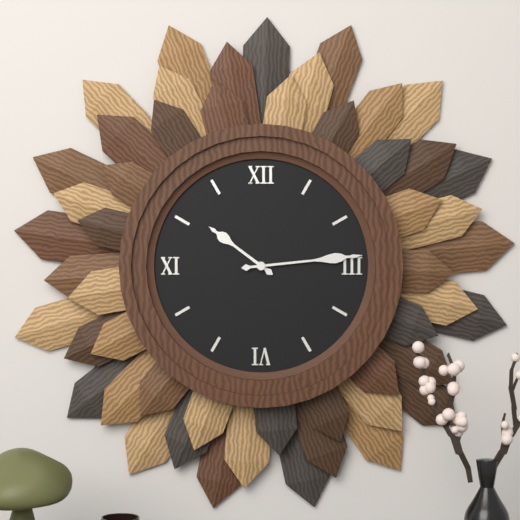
**10:14**
